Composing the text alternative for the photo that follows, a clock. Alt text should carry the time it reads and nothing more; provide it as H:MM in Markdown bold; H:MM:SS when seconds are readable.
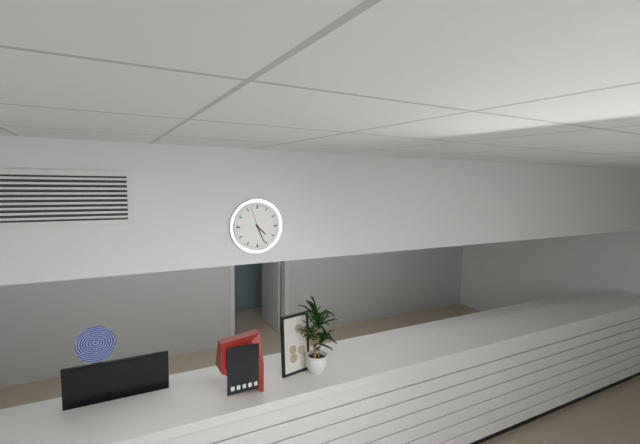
**4:26**
